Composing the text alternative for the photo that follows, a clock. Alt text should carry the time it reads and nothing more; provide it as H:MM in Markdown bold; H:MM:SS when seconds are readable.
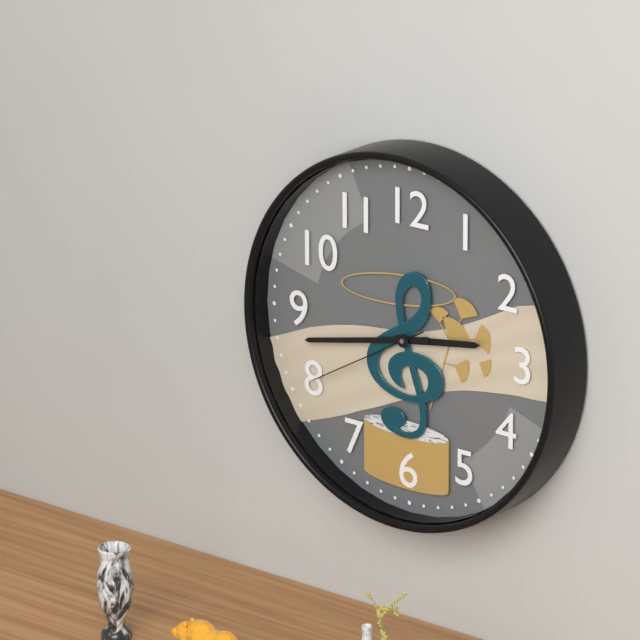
**2:43:40**
